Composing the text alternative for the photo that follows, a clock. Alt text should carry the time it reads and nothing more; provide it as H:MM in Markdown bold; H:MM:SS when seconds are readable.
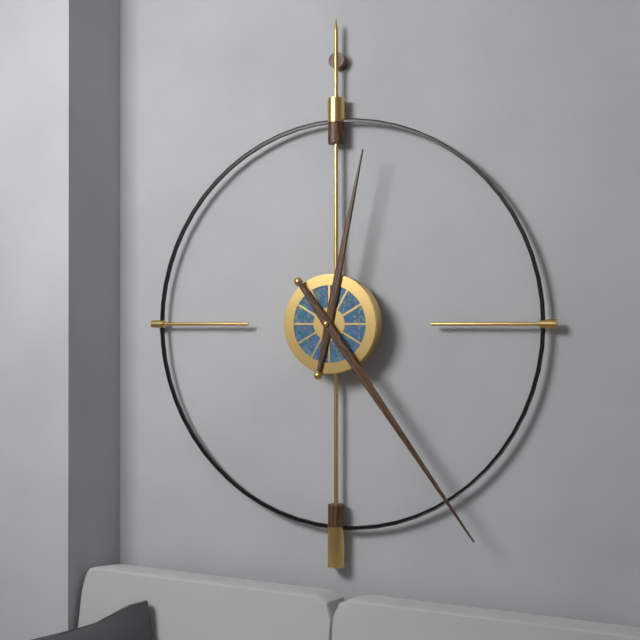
**12:24**
